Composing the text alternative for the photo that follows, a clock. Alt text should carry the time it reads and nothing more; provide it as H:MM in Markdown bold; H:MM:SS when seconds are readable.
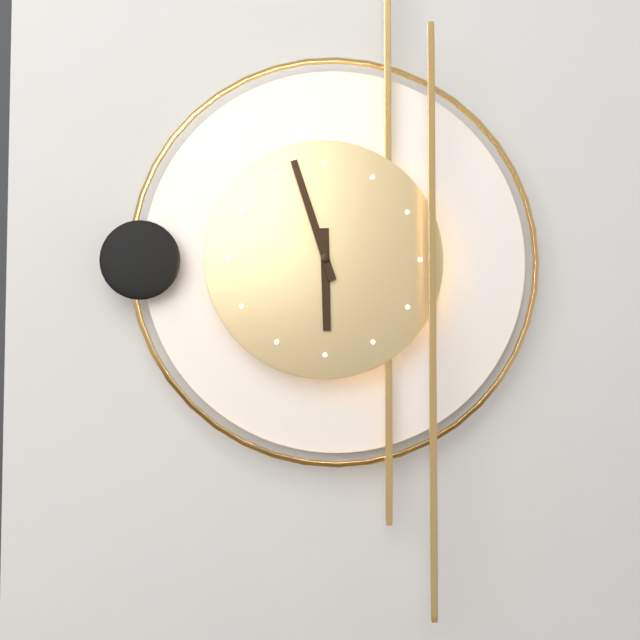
**5:57**
